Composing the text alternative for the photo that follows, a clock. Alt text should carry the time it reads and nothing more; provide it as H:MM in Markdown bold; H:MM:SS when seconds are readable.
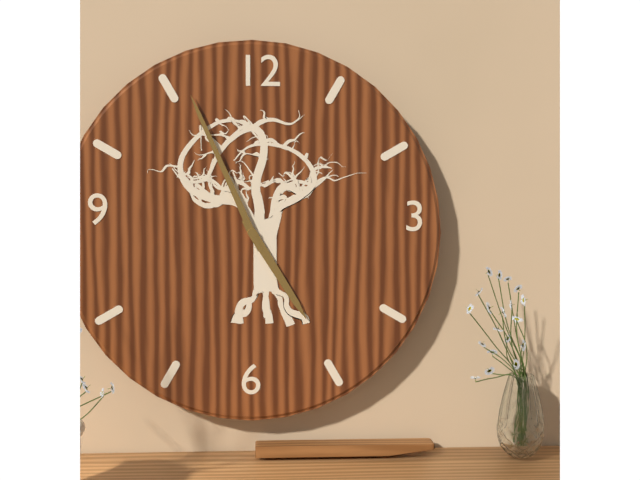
**4:56**
